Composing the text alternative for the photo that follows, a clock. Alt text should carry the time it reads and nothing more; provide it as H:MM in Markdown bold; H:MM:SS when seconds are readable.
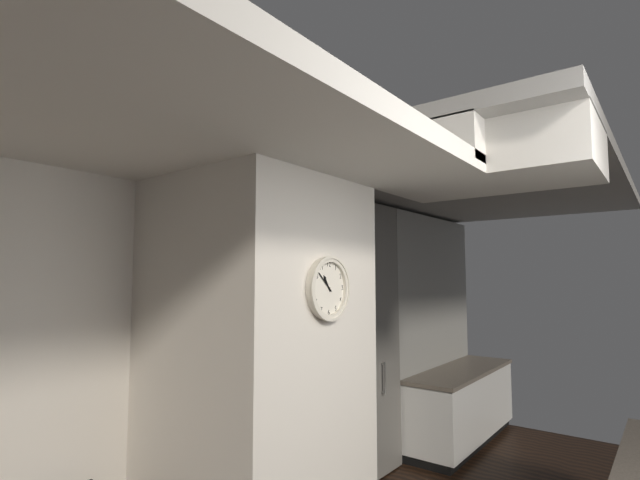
**10:52**
